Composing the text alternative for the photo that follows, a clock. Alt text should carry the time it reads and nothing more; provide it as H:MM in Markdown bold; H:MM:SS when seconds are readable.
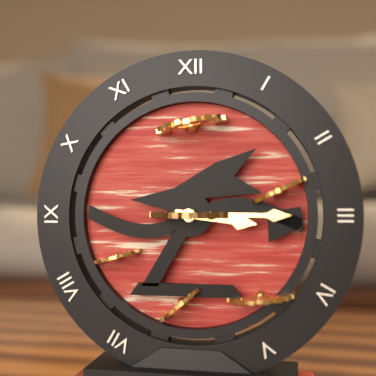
**3:15**
